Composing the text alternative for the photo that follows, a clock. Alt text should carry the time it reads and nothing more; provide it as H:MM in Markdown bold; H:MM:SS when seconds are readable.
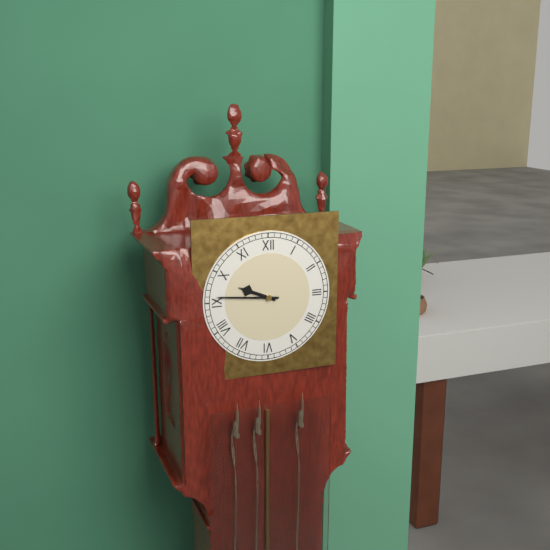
**9:46**
